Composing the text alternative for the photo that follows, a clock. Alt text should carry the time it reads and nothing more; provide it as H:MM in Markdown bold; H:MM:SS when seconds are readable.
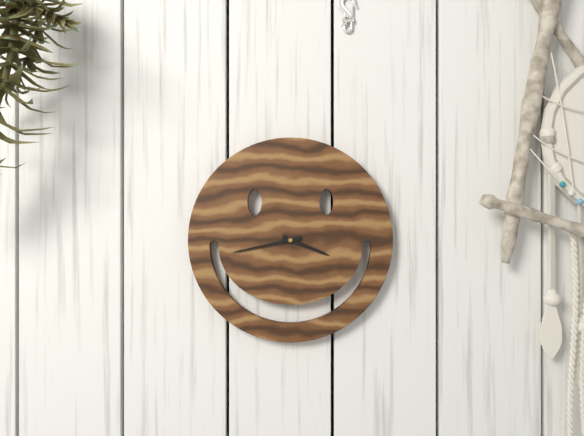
**3:43**
